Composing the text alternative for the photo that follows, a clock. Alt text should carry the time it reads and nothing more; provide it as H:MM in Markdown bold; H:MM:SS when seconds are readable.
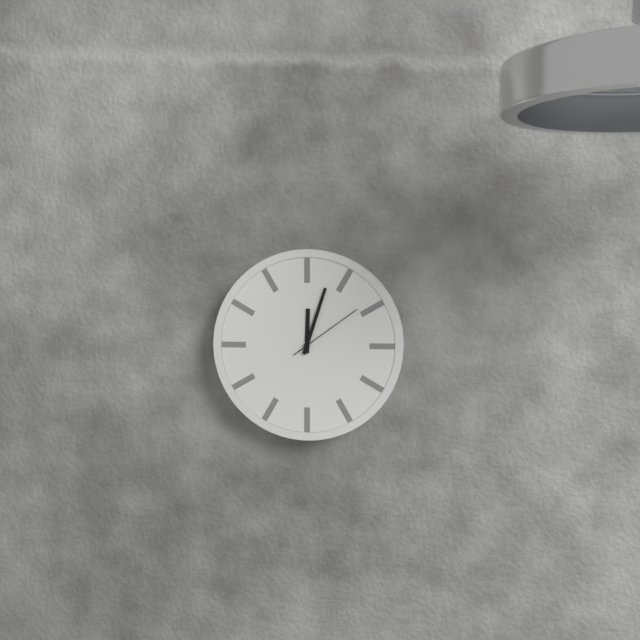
**12:03:09**
